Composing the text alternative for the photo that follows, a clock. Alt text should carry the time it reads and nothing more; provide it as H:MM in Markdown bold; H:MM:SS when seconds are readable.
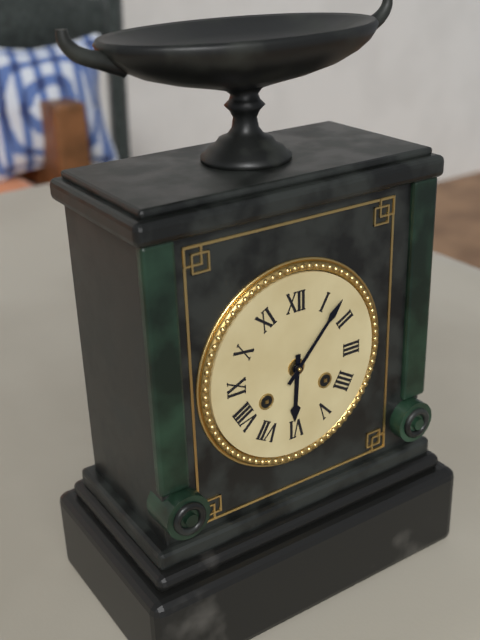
**6:07**
